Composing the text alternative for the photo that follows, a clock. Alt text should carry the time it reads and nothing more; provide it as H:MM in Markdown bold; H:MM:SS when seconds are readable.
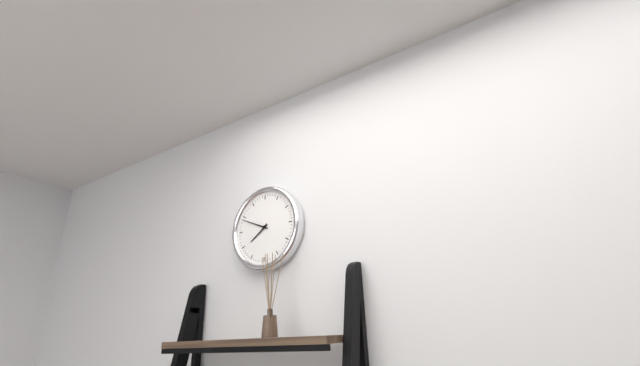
**7:49**
